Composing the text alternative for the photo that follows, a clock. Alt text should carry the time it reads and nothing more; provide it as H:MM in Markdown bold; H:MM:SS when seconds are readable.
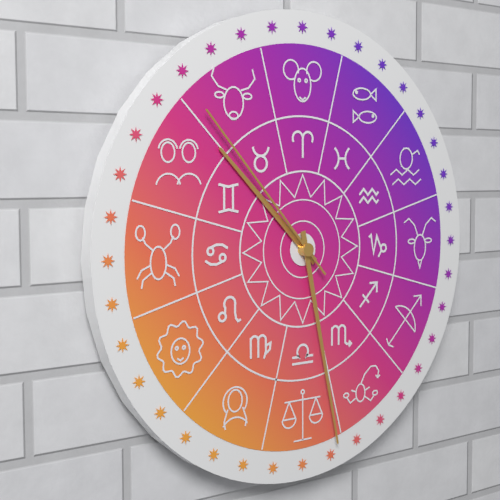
**10:28:53**
